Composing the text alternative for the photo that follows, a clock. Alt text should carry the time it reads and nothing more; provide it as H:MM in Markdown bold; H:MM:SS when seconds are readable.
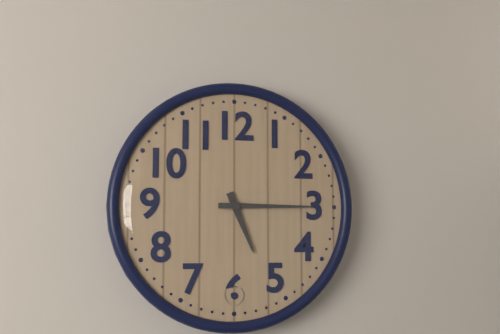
**5:15**
